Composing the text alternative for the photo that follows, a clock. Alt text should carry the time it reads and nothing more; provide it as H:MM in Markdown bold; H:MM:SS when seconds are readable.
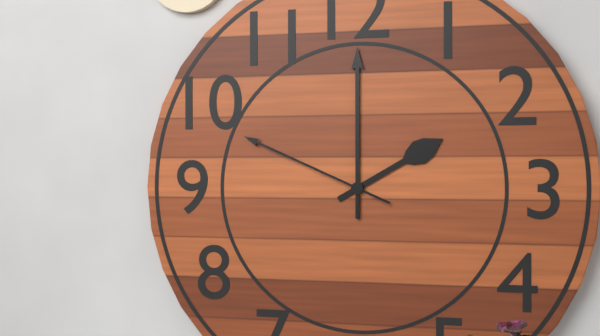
**2:00:49**
